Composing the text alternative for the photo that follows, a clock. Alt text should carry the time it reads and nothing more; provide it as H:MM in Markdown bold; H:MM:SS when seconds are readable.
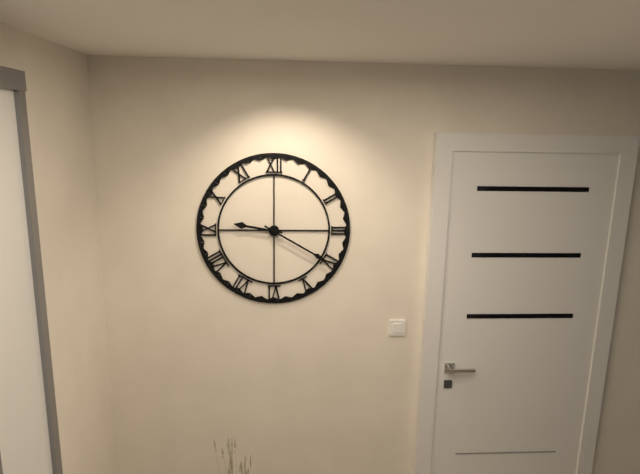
**9:20**
